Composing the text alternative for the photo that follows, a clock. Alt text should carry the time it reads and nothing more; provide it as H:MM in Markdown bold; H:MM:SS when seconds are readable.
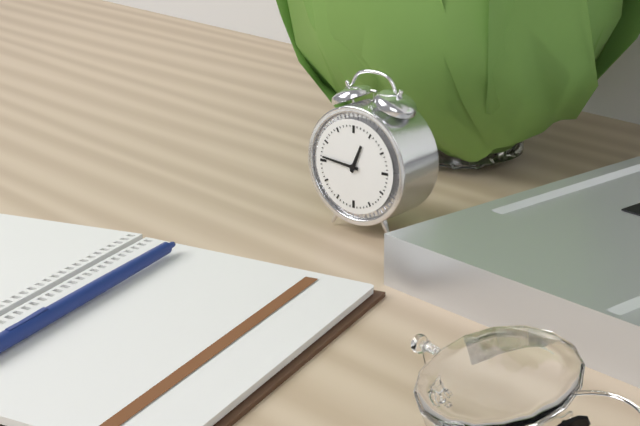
**12:46**
